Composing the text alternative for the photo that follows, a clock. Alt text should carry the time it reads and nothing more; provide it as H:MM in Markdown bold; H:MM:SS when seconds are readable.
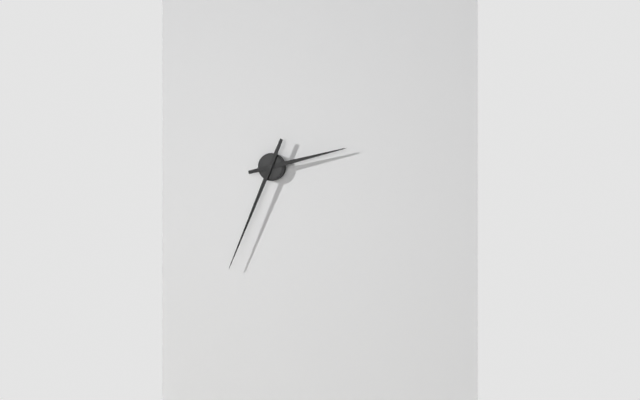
**2:34**
